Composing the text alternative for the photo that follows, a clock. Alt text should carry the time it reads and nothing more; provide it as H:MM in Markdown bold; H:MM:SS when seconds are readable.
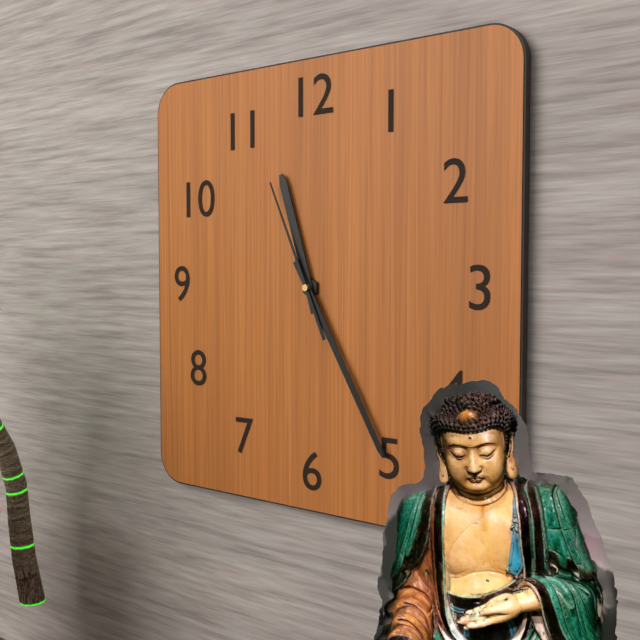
**11:25:56**
